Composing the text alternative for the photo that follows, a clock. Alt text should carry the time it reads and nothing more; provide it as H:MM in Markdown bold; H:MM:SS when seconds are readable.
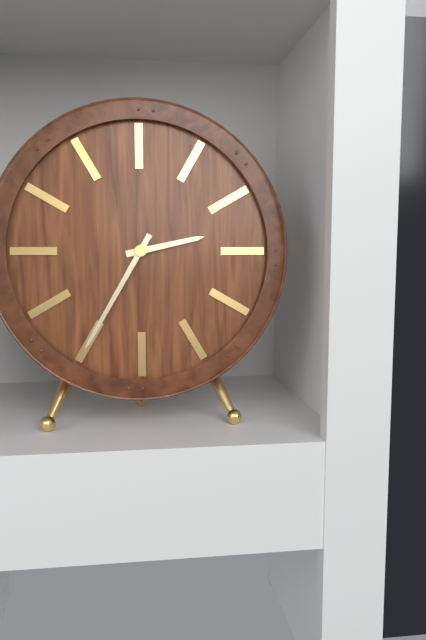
**2:35**
